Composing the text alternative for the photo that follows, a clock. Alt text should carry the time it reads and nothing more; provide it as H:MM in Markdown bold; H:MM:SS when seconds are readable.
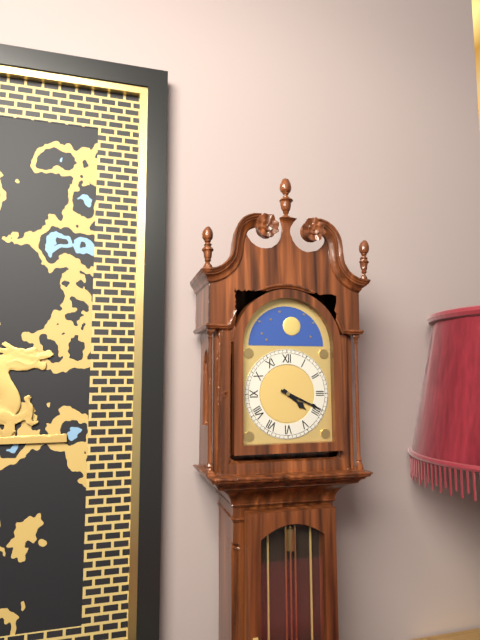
**4:19**
